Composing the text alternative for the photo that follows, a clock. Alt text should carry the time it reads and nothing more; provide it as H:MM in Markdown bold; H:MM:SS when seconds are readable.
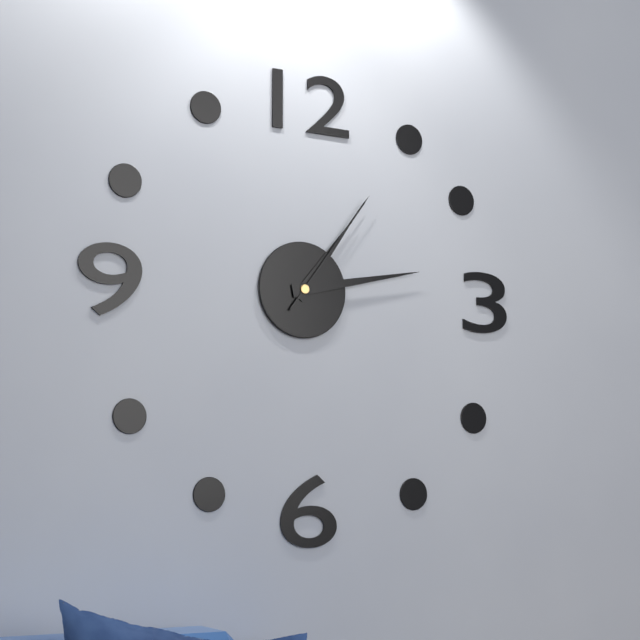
**1:13:06**
